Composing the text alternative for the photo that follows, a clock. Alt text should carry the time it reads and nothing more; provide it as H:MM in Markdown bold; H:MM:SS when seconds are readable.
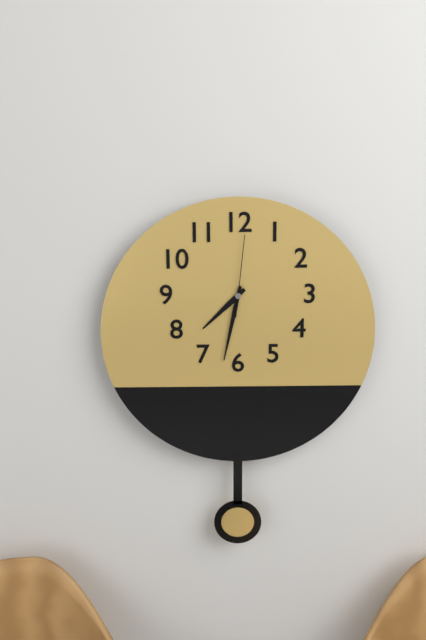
**7:32:01**
